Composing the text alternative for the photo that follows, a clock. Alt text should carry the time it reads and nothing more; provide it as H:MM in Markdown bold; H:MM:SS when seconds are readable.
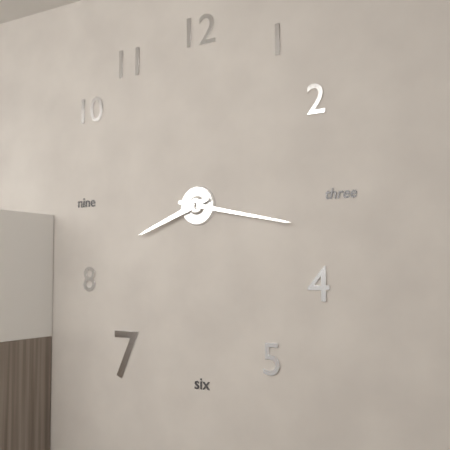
**8:17**
